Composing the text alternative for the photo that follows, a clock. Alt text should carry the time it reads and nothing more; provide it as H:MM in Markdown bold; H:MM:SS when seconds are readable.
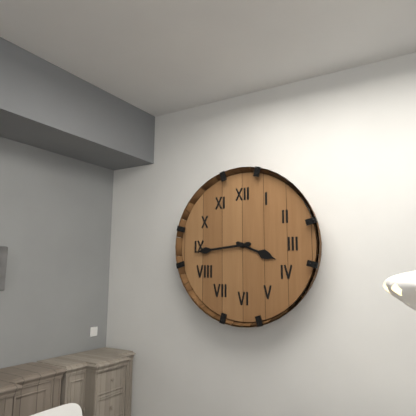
**3:44**
